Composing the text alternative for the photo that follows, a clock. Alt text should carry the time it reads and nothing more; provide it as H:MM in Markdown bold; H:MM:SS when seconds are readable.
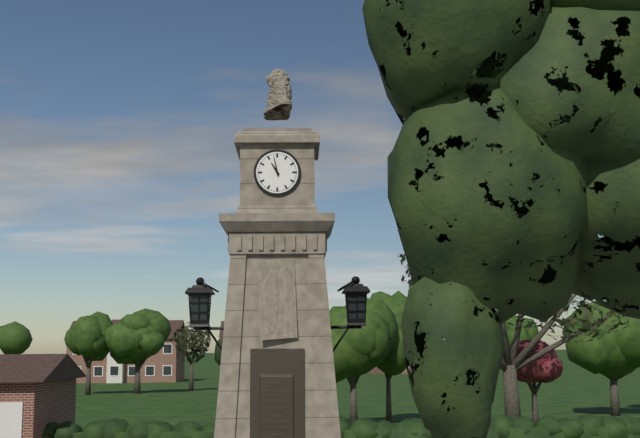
**10:58**
